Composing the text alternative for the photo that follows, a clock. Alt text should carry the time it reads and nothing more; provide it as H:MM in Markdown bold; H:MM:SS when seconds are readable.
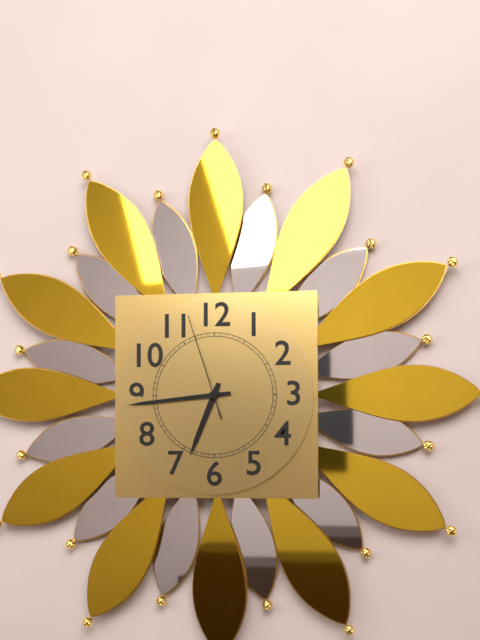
**6:44:57**
